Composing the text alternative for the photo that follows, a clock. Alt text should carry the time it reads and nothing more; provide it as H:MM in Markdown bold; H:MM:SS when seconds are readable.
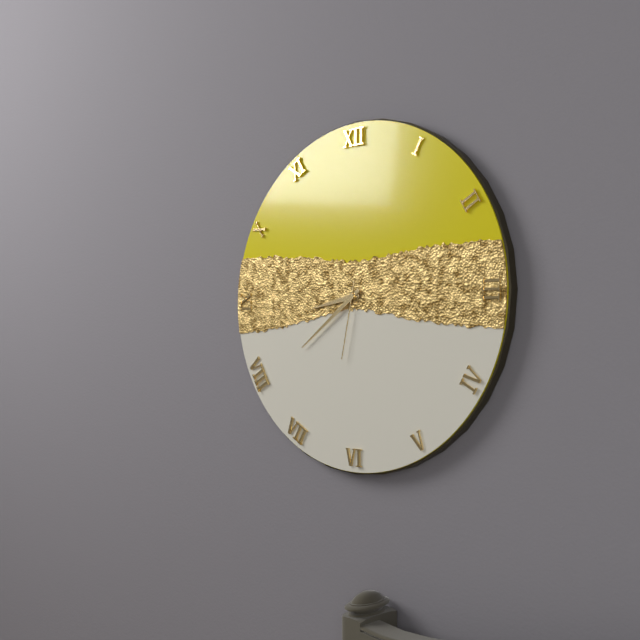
**8:39:32**
